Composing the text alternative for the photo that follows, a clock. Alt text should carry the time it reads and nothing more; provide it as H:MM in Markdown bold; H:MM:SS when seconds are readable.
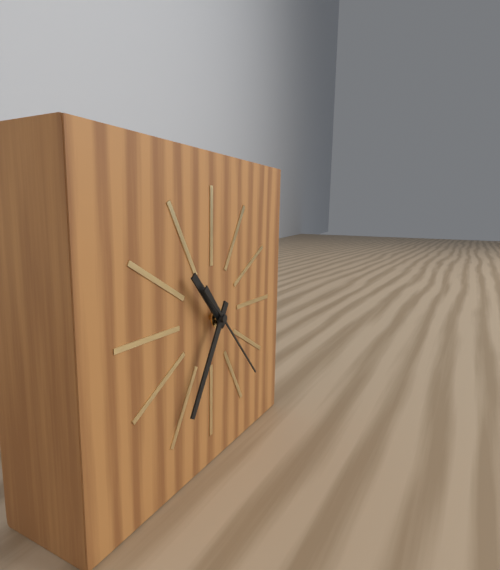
**10:35:23**
